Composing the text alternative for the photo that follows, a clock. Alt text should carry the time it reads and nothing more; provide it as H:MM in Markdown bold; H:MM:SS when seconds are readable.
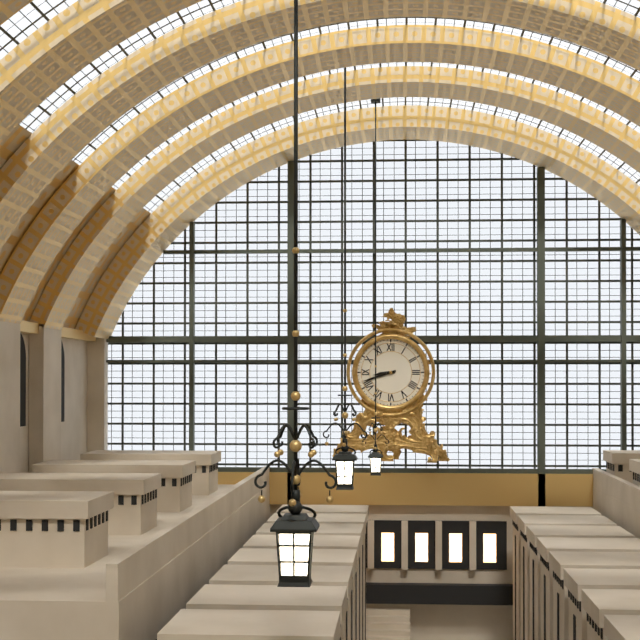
**8:42**
